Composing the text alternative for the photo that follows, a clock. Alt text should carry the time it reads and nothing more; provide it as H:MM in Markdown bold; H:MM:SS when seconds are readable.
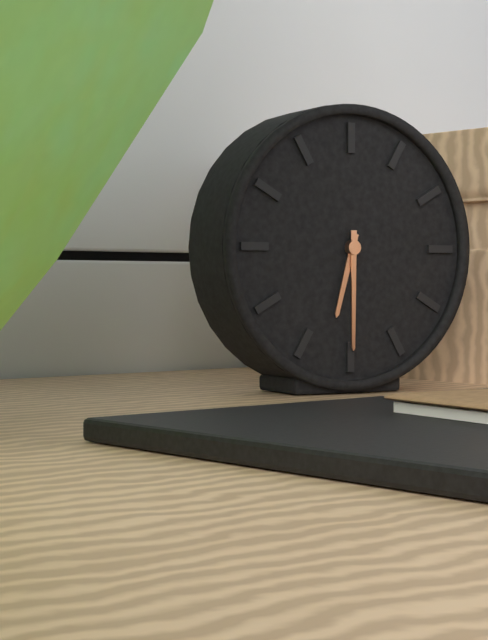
**6:30**
